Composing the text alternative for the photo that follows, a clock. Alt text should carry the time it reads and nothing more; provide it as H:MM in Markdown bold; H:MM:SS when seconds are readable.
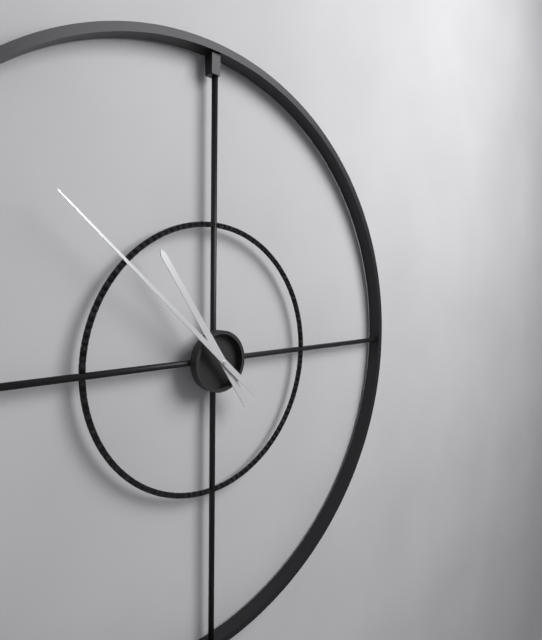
**10:52**
